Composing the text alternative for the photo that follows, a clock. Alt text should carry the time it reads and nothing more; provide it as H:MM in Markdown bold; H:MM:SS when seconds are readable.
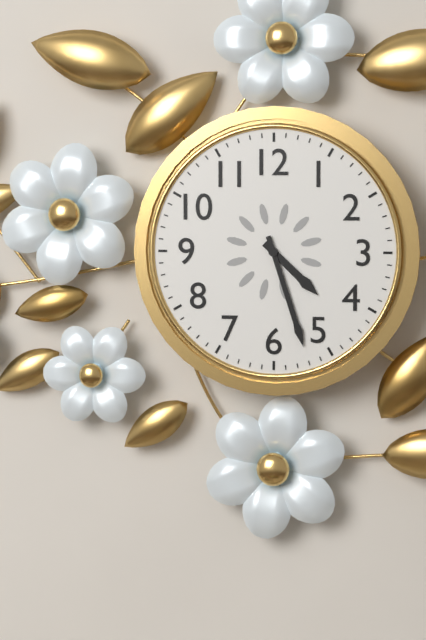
**4:27**
